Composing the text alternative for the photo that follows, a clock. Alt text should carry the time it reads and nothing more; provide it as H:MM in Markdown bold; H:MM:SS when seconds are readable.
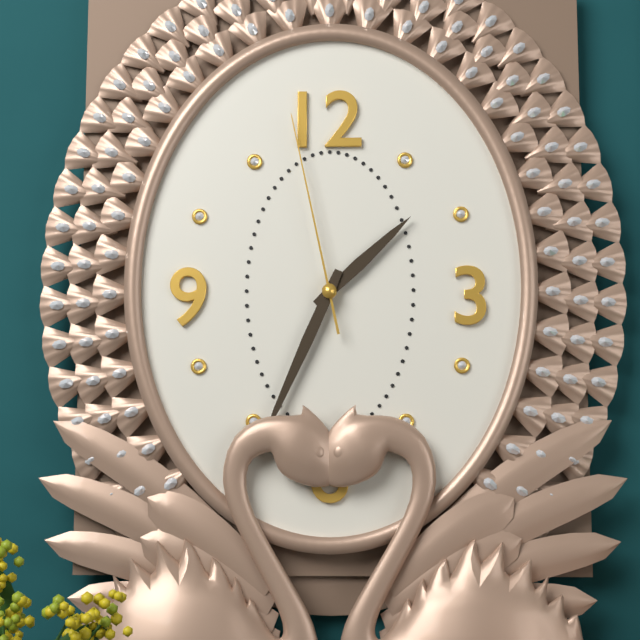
**1:34:58**
